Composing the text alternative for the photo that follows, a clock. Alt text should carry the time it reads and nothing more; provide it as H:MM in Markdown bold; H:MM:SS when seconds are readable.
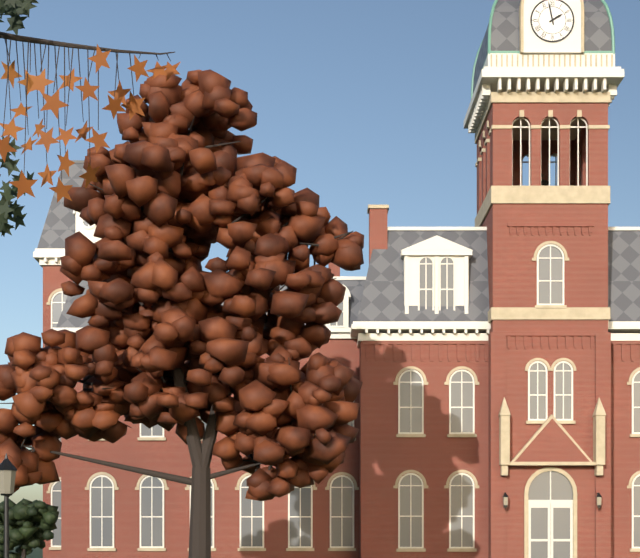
**1:58**
